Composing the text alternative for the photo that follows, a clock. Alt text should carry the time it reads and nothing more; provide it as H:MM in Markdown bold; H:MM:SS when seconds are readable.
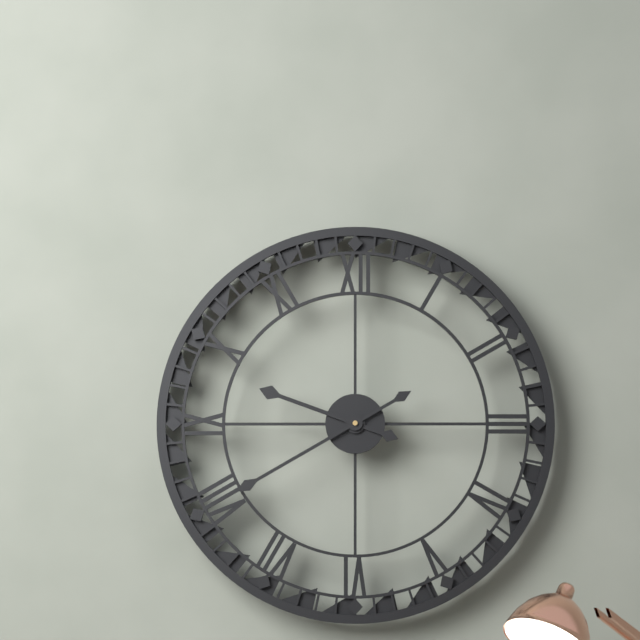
**9:40**
